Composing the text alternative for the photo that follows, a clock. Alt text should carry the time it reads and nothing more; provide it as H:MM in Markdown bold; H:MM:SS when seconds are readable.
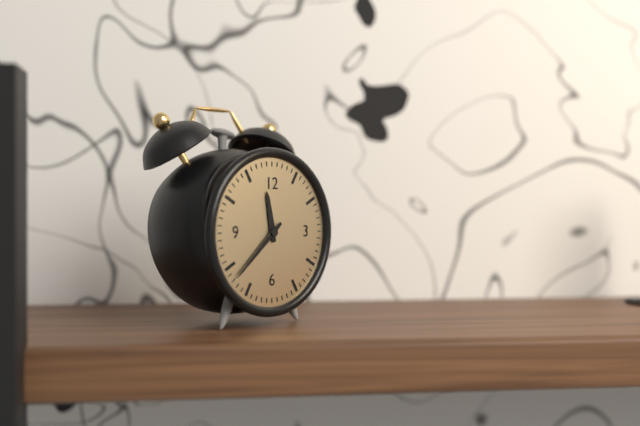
**11:38**
